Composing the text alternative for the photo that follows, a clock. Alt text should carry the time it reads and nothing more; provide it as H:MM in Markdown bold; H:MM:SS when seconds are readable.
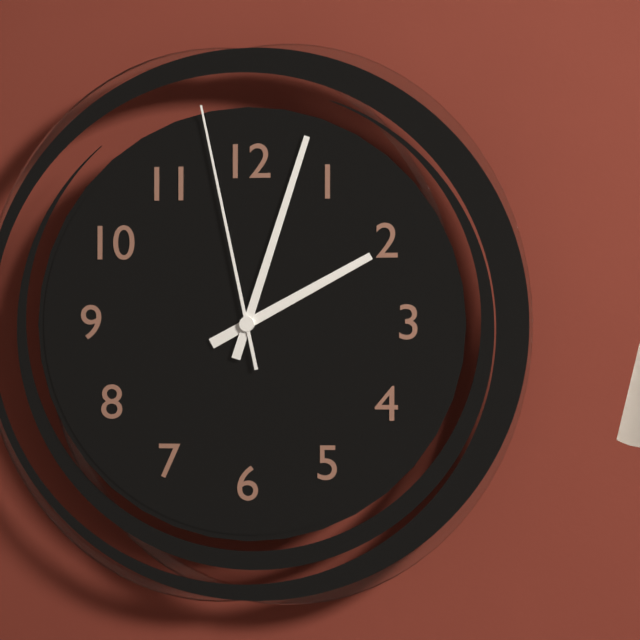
**2:03:58**
